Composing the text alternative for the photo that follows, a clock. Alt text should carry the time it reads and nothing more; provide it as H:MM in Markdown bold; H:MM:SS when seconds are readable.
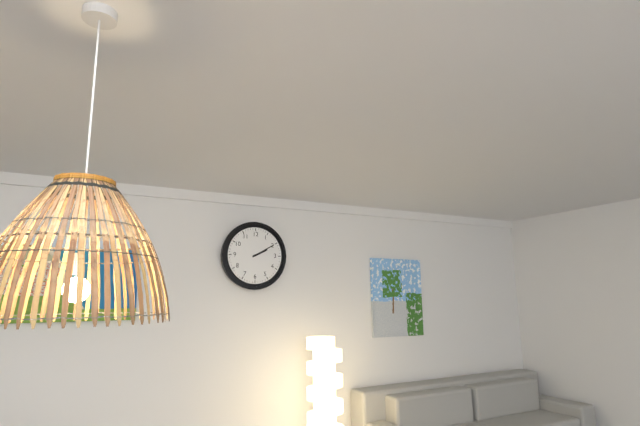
**2:10**
